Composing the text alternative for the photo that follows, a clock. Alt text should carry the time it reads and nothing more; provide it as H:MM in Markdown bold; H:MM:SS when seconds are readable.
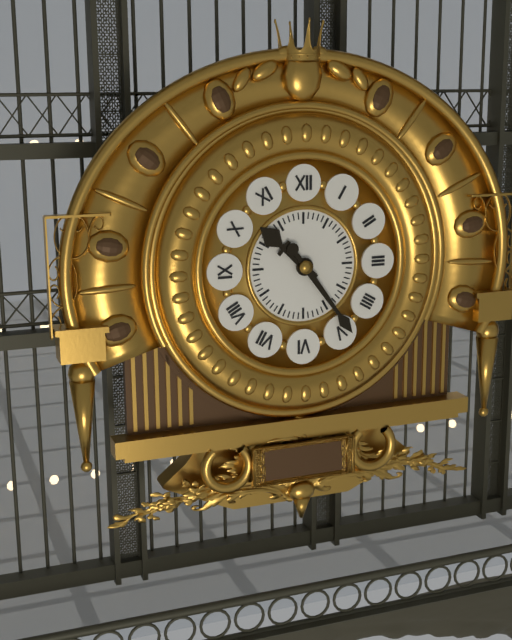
**10:24**
